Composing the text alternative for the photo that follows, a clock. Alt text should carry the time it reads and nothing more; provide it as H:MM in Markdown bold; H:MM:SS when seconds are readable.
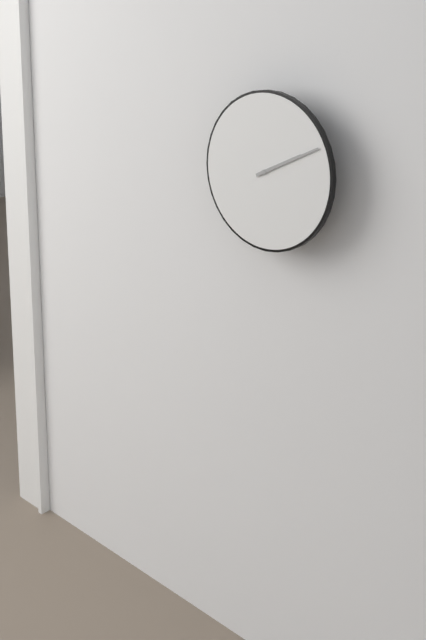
**2:11**
